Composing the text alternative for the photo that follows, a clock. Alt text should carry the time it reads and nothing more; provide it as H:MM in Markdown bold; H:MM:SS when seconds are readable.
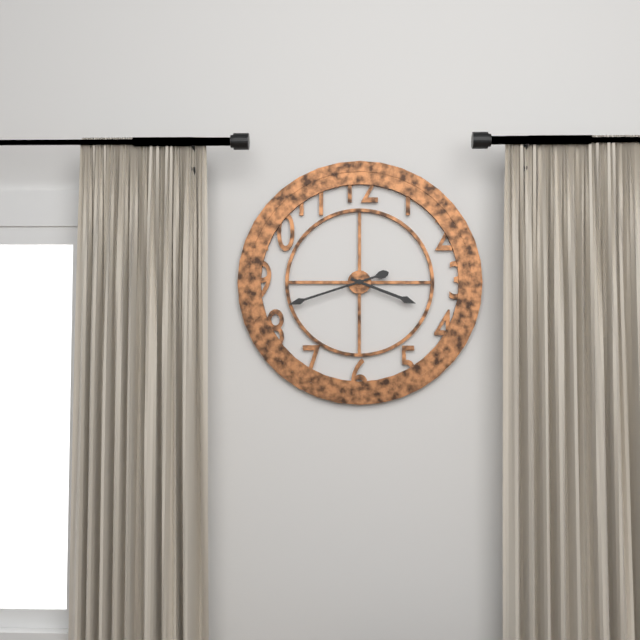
**3:42**
